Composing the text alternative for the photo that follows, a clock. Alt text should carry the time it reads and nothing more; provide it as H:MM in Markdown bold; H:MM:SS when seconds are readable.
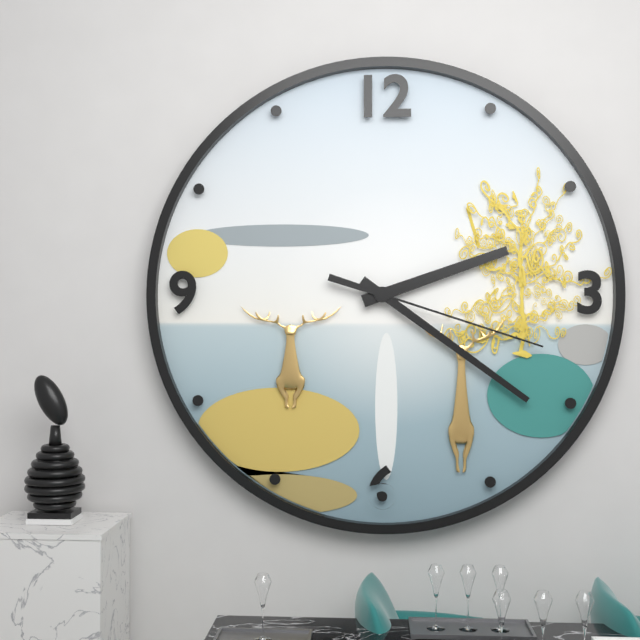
**2:21:18**
